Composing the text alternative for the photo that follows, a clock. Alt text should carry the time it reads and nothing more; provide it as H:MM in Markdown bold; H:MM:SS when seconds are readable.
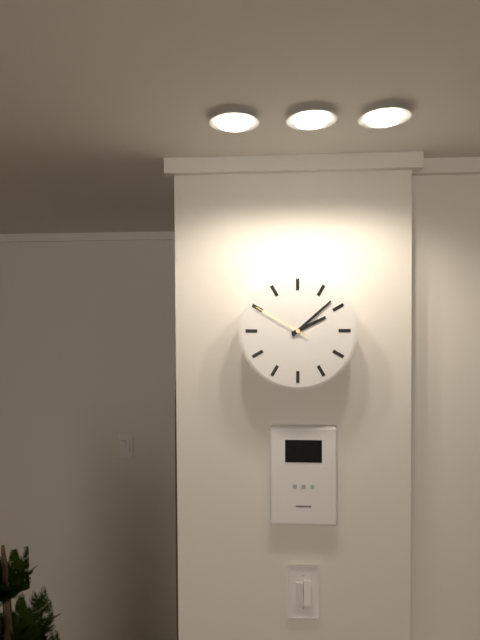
**2:08:50**
